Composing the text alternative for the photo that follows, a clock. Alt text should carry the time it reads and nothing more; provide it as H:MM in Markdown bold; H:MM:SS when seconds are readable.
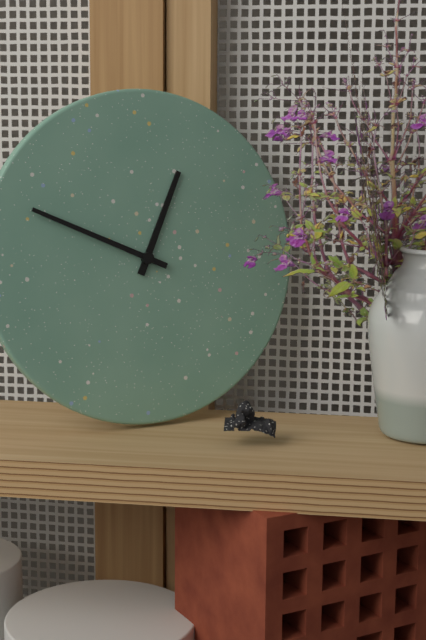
**12:49**
